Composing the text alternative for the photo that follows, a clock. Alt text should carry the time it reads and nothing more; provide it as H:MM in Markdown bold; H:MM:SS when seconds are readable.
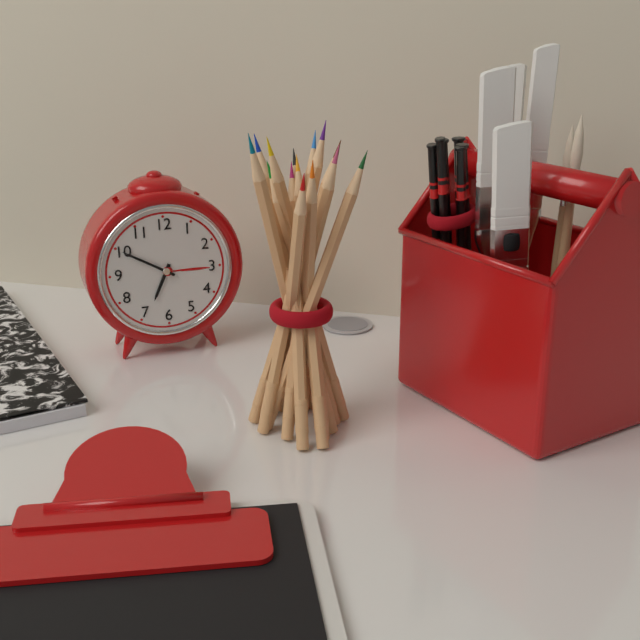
**6:50**
